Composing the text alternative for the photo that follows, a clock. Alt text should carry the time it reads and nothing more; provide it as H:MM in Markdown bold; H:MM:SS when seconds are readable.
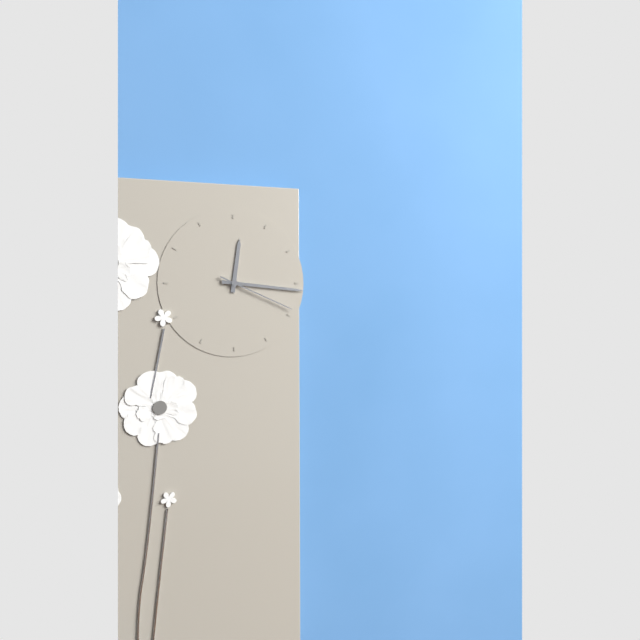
**12:16:19**
